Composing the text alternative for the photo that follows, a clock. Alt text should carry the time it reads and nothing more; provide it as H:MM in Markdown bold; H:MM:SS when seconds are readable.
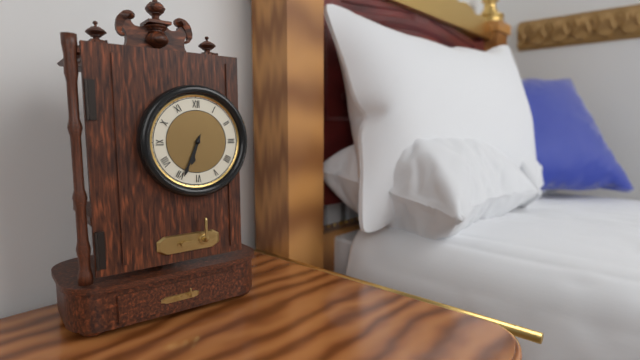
**6:34**
